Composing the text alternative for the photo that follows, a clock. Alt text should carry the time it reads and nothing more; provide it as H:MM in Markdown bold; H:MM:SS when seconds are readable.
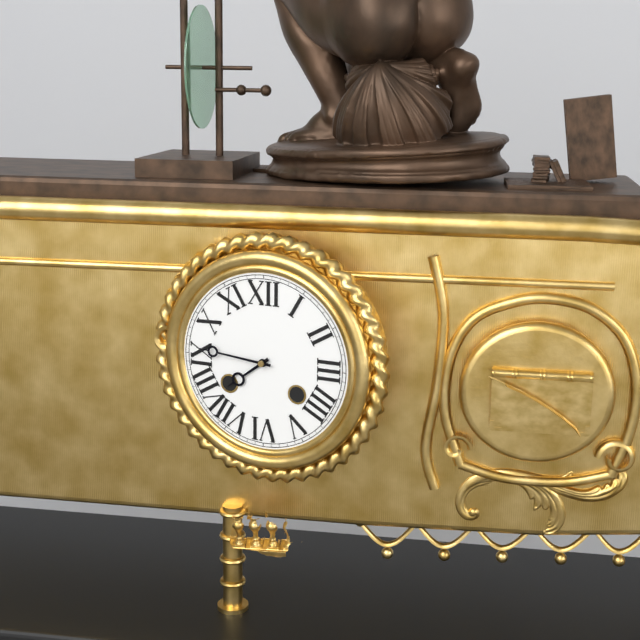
**7:46**
